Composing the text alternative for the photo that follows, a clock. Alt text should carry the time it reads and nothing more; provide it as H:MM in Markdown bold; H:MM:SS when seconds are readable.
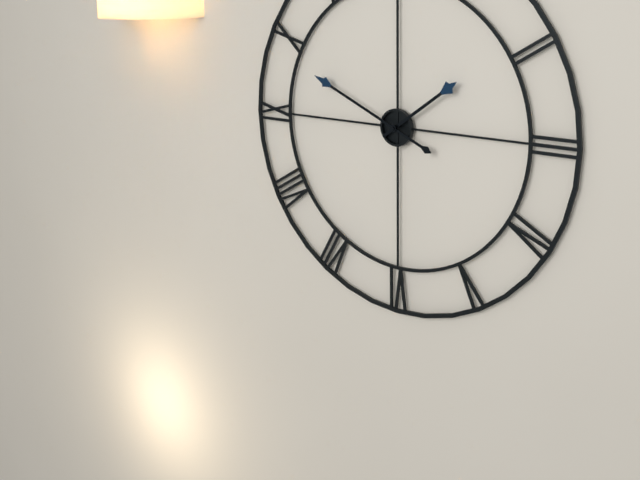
**1:49**
